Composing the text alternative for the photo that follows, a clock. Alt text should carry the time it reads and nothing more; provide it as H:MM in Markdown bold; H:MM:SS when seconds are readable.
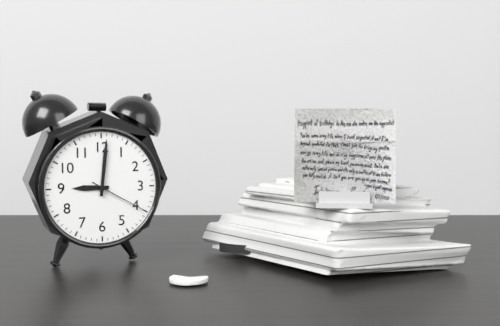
**9:01:20**
